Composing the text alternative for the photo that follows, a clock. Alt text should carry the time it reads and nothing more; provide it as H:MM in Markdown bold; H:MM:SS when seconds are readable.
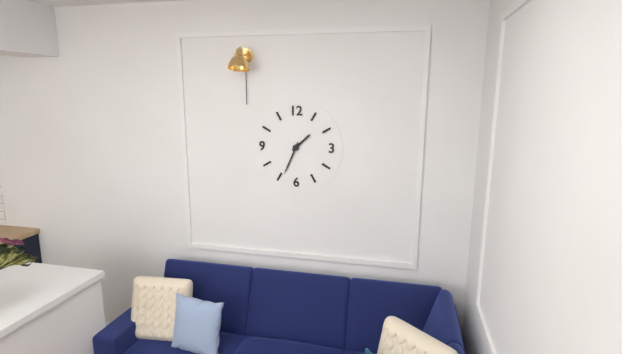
**1:34**
